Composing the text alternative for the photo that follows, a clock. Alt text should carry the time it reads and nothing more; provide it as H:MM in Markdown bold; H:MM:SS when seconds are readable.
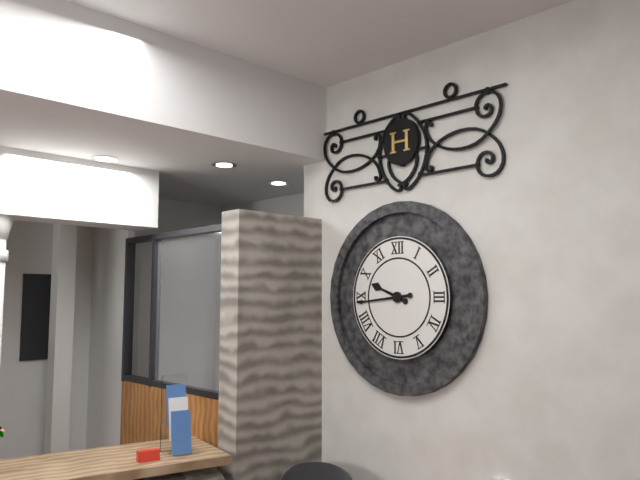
**9:44**
